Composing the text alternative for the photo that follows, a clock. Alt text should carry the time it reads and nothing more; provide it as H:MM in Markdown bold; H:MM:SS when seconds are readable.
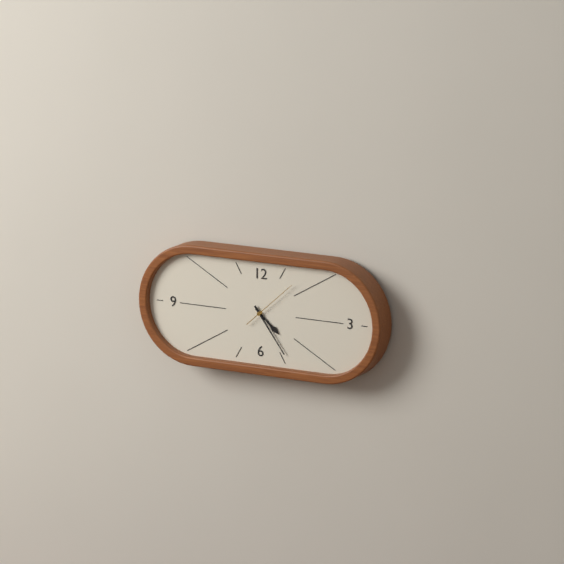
**4:24:08**
